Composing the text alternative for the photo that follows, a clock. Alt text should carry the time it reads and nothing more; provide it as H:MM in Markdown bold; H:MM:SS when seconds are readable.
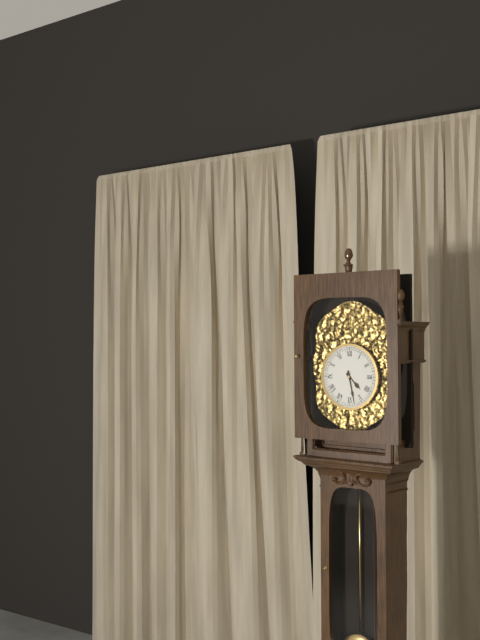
**4:28**
